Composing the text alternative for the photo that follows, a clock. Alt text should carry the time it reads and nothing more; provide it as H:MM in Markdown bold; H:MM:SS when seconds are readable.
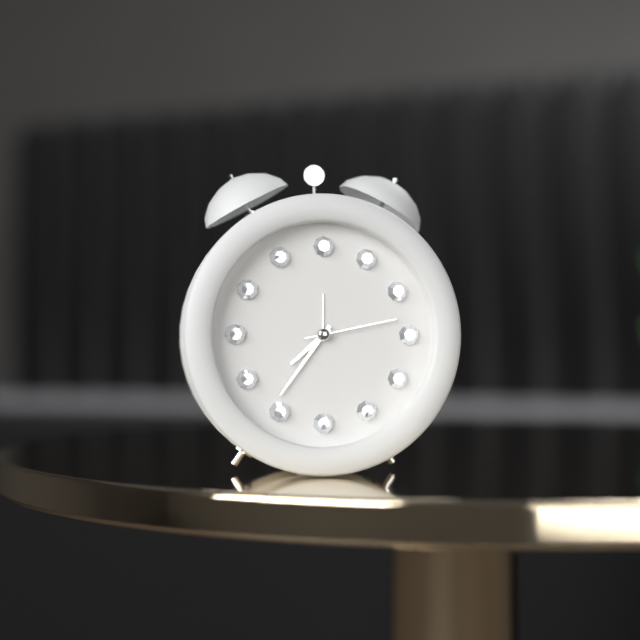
**7:36:13**
